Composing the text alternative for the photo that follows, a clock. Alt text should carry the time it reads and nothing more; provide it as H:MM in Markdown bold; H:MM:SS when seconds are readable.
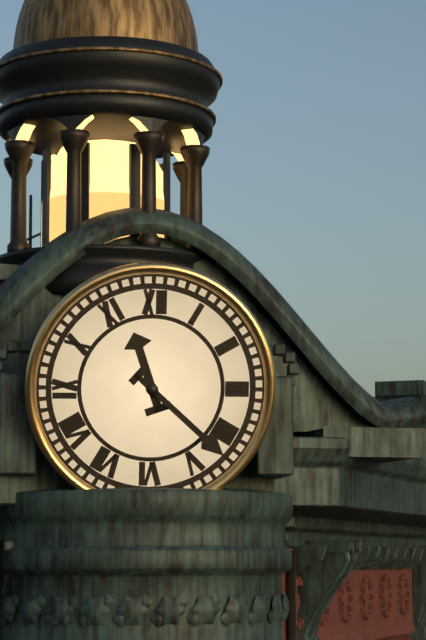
**11:22**
